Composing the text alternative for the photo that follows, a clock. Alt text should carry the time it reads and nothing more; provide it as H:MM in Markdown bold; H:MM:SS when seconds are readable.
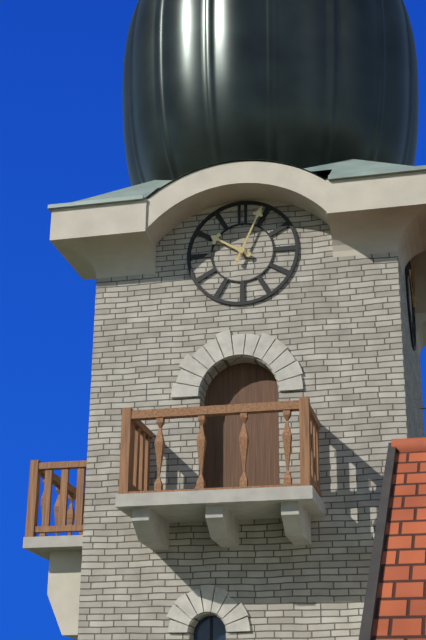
**10:04**
